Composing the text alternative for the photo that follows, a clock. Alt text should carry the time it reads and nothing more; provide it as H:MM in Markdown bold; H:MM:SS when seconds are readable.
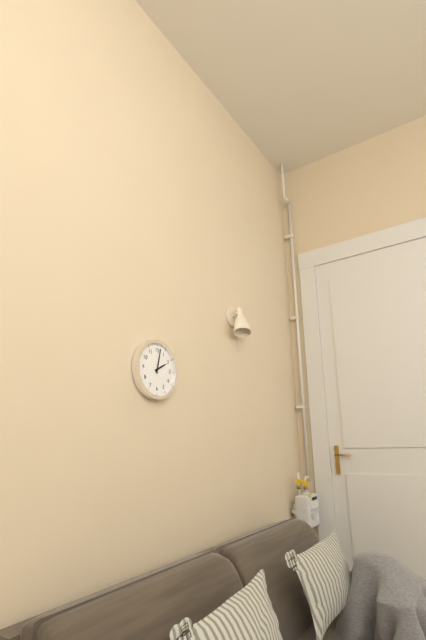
**2:02**
